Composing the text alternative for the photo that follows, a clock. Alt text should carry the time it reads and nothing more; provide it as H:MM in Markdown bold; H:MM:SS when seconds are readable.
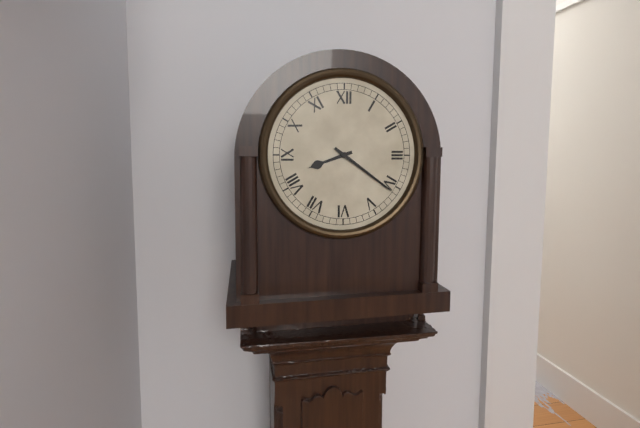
**8:21**
